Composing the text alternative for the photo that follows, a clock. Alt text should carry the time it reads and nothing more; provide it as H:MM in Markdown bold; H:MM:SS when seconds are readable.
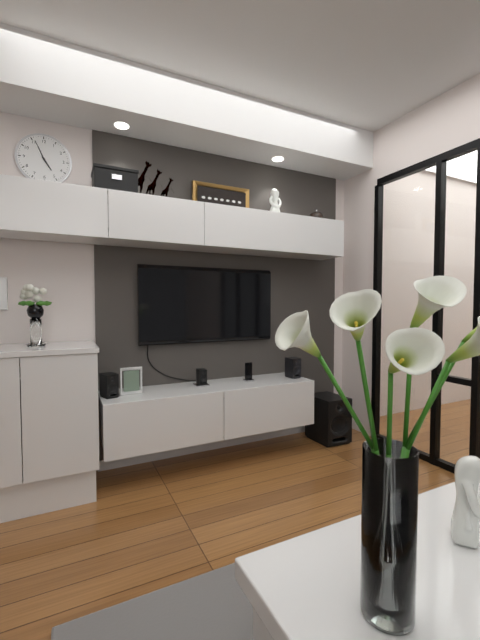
**4:56**
